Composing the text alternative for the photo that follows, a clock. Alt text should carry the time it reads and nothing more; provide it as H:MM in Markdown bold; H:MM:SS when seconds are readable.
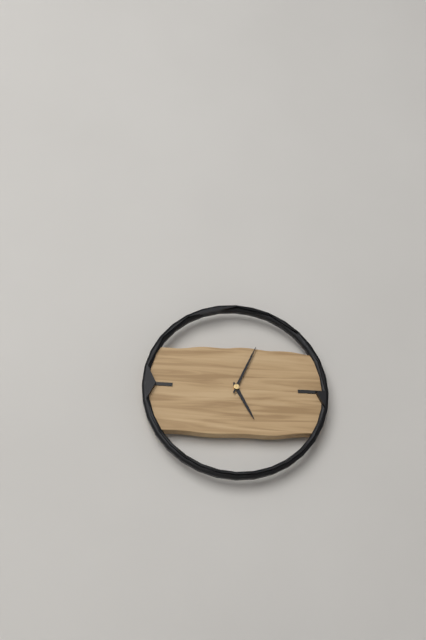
**5:04**
